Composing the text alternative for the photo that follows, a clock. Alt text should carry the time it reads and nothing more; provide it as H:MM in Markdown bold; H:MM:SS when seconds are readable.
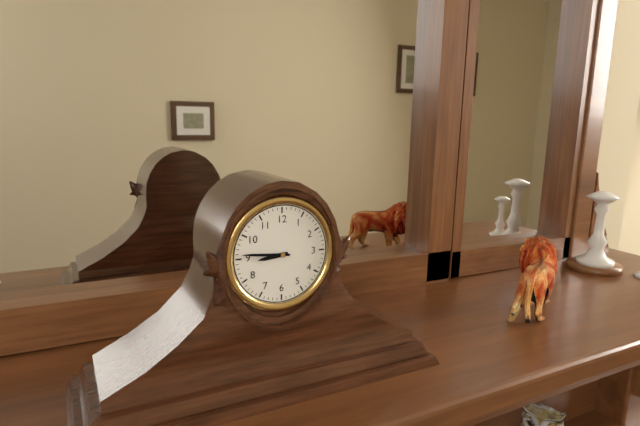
**8:46**
